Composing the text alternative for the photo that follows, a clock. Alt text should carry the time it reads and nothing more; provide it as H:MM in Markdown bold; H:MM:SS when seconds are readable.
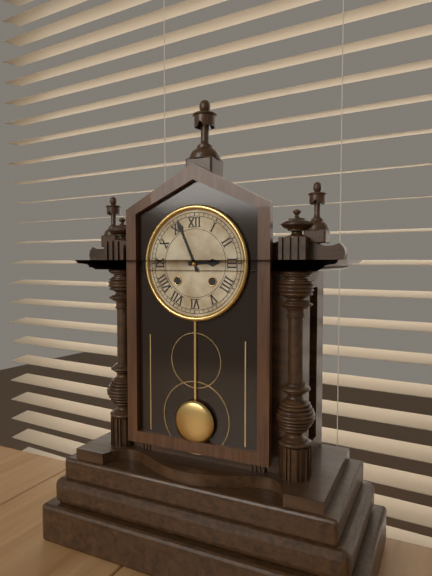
**2:56**
